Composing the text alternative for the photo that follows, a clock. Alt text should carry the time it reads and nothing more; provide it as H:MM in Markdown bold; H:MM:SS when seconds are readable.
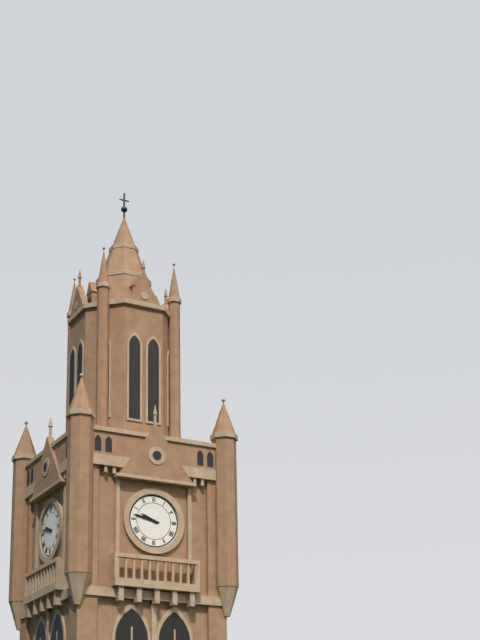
**9:47**
